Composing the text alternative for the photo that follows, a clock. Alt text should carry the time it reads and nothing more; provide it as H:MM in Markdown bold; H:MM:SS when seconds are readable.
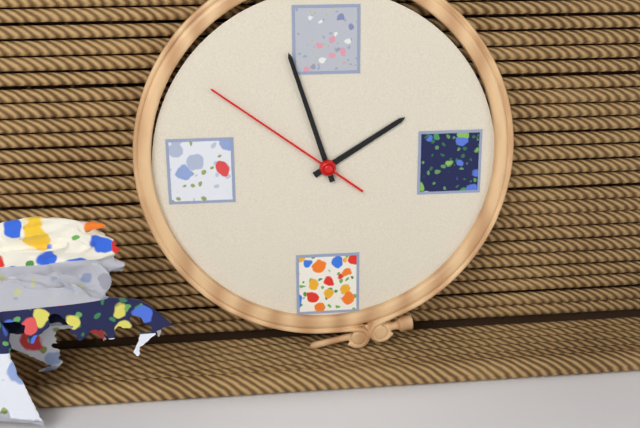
**1:57:51**
